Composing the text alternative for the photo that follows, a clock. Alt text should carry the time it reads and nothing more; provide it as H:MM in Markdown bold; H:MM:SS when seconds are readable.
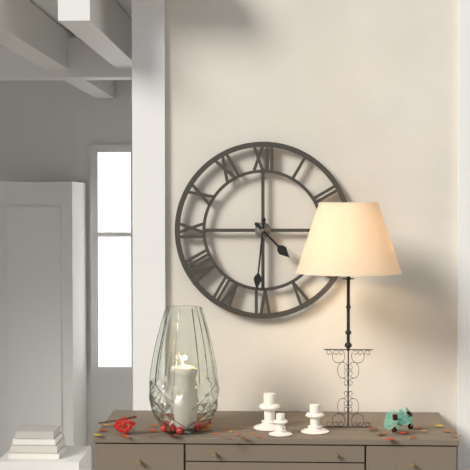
**4:31**
